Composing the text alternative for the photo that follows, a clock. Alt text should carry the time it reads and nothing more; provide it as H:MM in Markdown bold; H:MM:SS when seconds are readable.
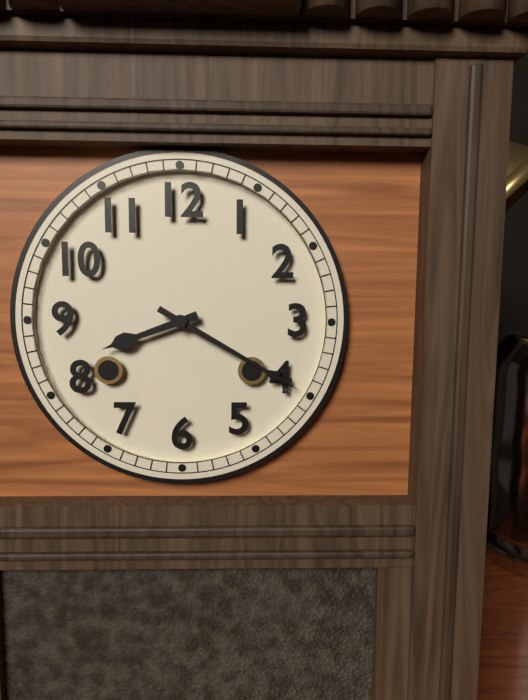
**8:20**
